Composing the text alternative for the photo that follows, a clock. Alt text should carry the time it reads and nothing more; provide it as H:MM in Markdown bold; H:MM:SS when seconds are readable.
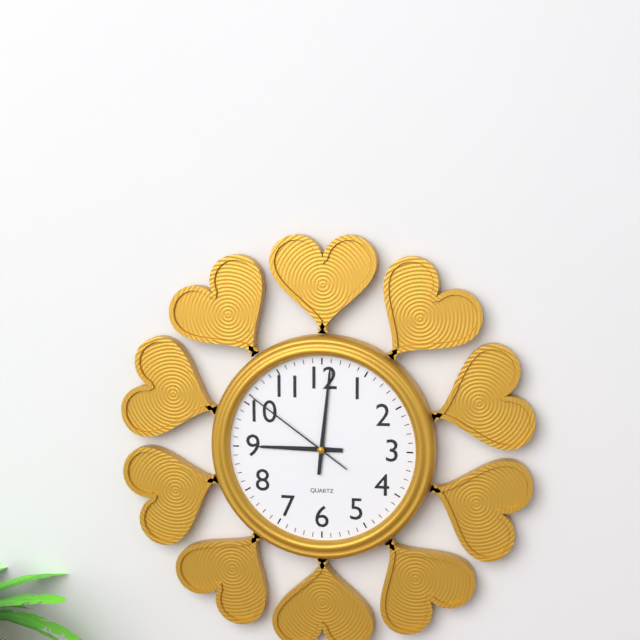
**9:01:51**
